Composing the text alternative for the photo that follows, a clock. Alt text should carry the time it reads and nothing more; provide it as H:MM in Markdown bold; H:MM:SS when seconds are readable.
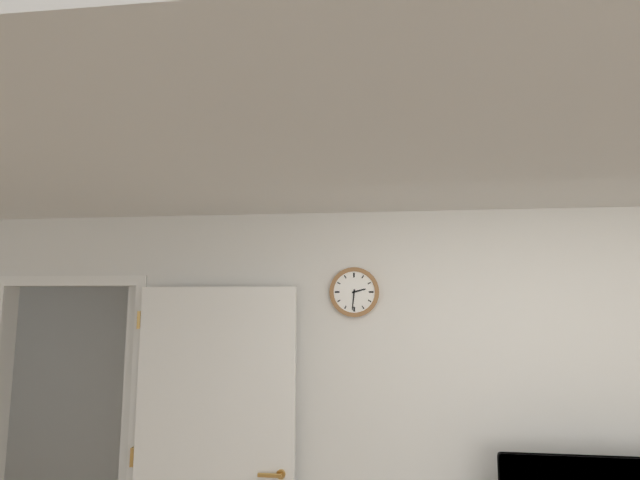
**2:31**
